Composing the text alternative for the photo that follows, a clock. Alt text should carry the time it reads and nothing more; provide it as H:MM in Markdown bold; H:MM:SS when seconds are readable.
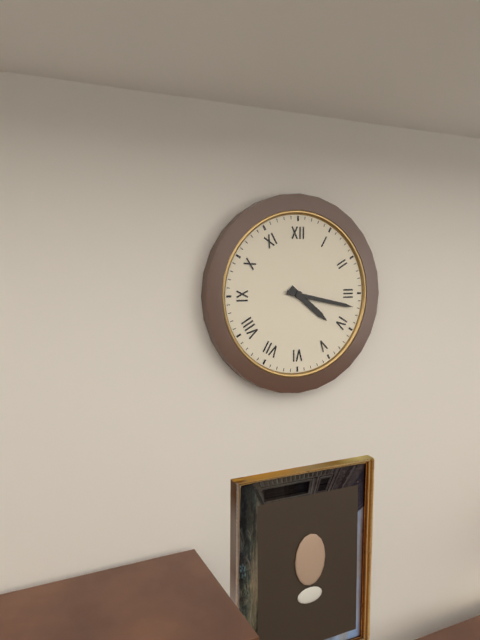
**4:17**
